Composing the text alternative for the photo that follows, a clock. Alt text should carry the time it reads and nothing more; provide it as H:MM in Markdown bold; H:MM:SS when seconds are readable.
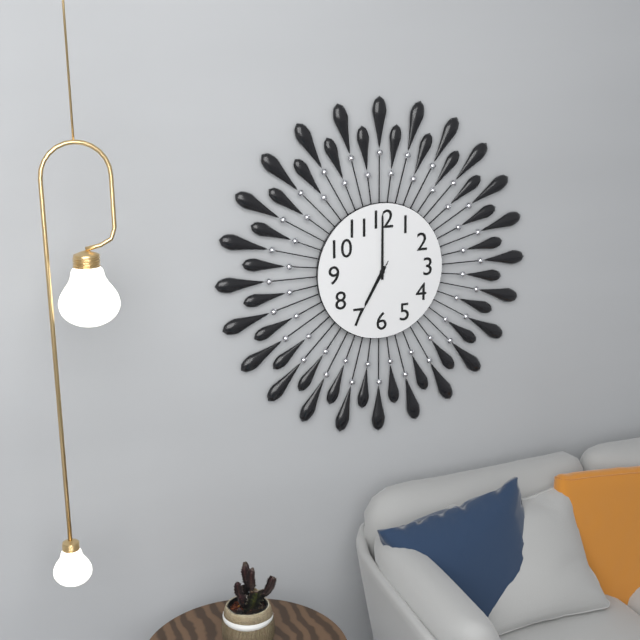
**7:00:35**
